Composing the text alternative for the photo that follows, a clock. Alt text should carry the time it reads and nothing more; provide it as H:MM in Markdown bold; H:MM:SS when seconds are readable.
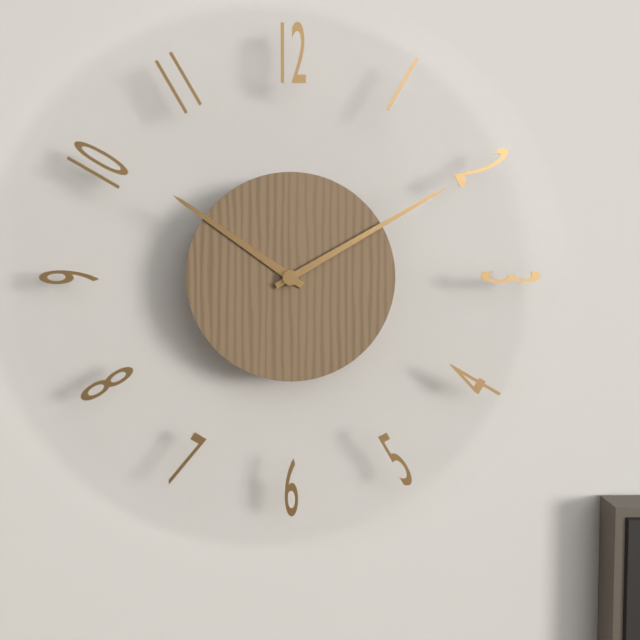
**10:10**
